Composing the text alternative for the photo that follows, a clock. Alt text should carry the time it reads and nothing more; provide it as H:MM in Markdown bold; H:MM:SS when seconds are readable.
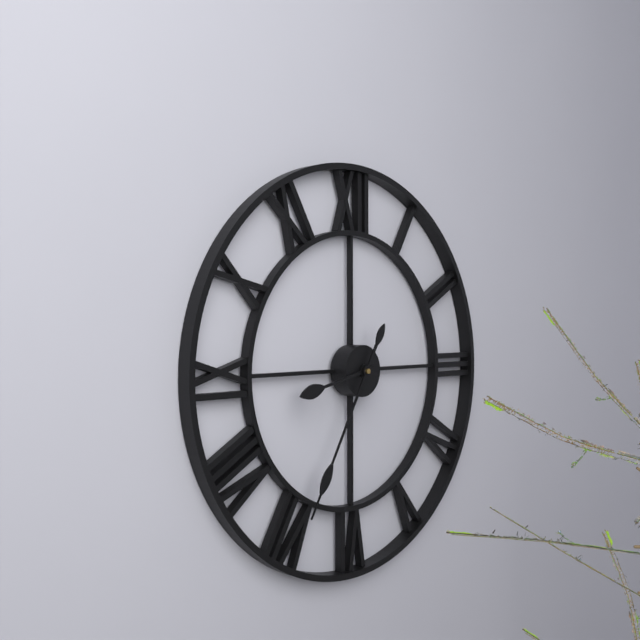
**8:35**
